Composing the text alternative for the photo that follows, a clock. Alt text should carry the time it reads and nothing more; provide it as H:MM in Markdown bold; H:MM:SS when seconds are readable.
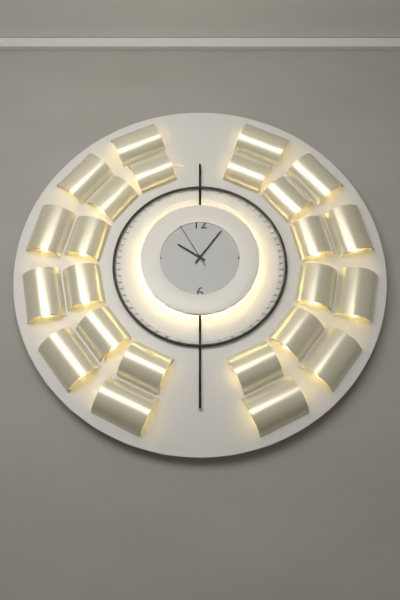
**10:06**
